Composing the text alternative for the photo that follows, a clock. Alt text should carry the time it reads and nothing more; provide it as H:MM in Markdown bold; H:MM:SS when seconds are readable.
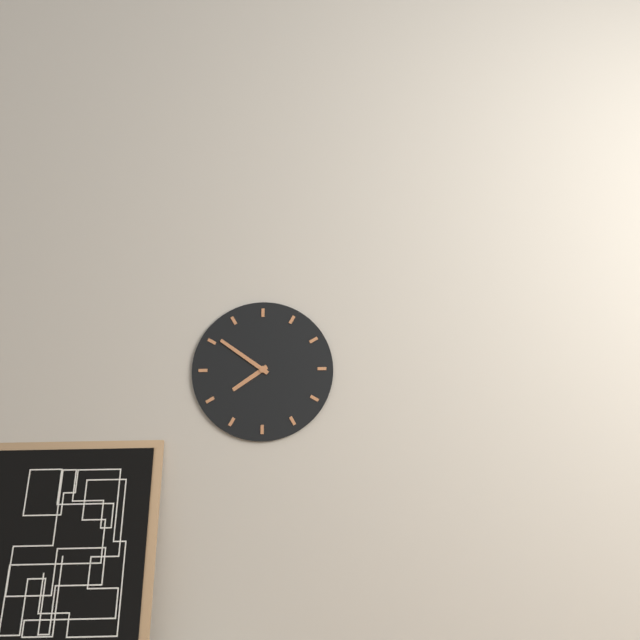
**7:51**
